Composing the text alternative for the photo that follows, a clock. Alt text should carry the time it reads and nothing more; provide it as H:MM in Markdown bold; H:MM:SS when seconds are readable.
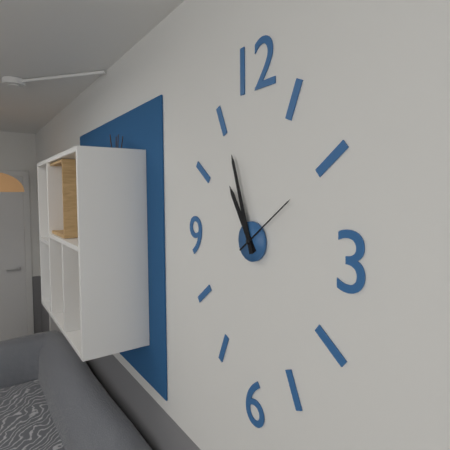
**10:57:09**
